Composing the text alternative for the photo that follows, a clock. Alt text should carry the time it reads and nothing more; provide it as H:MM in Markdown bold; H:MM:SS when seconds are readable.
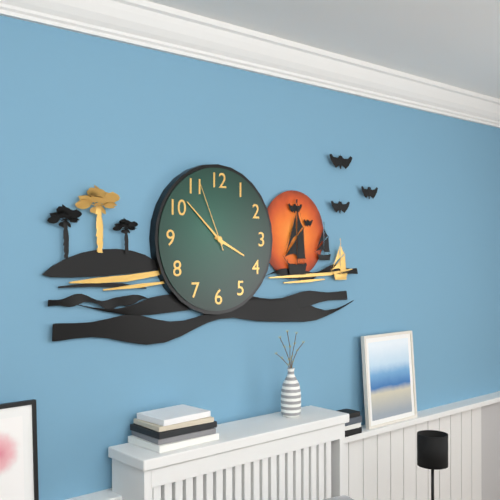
**3:52:56**
